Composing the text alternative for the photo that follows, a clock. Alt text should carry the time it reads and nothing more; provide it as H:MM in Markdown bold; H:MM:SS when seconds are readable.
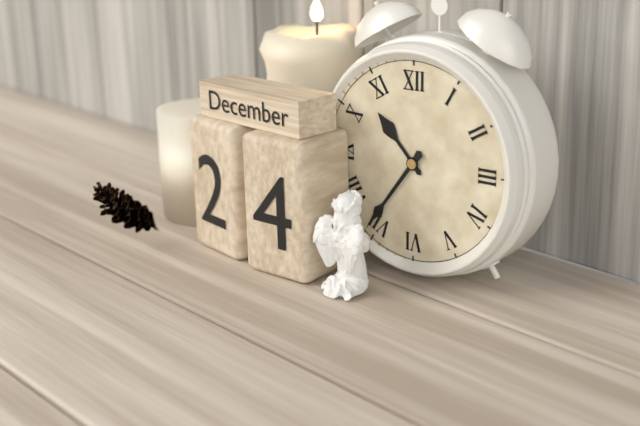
**10:36**
